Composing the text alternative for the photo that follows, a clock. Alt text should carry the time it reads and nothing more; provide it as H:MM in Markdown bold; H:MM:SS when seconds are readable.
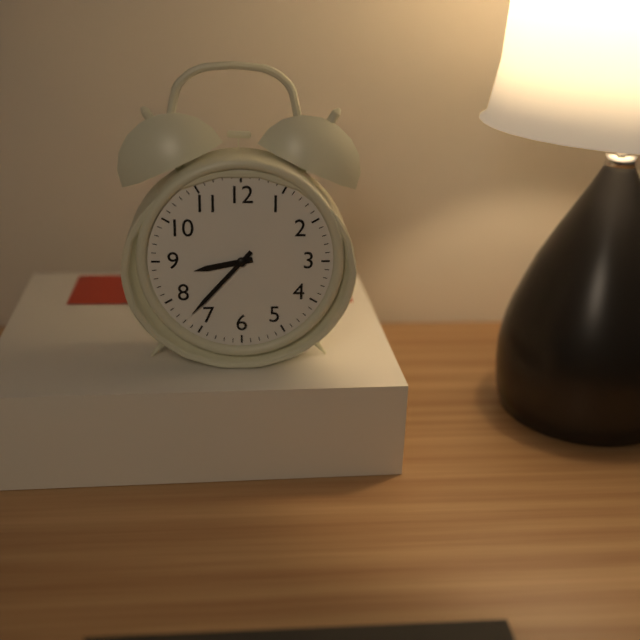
**8:37**
